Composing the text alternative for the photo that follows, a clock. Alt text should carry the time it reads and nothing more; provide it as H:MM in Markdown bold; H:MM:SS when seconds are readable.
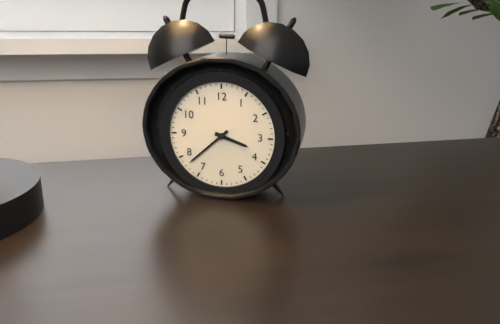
**3:38**
